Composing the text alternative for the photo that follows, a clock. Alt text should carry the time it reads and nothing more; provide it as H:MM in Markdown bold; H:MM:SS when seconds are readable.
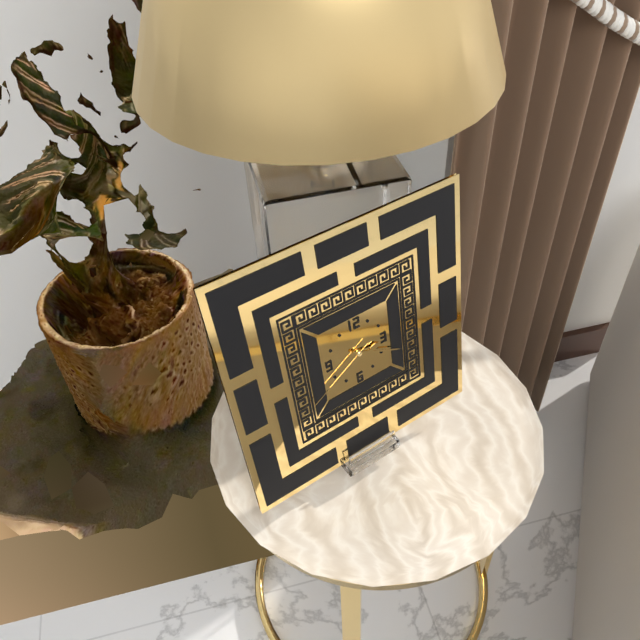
**3:19:40**
